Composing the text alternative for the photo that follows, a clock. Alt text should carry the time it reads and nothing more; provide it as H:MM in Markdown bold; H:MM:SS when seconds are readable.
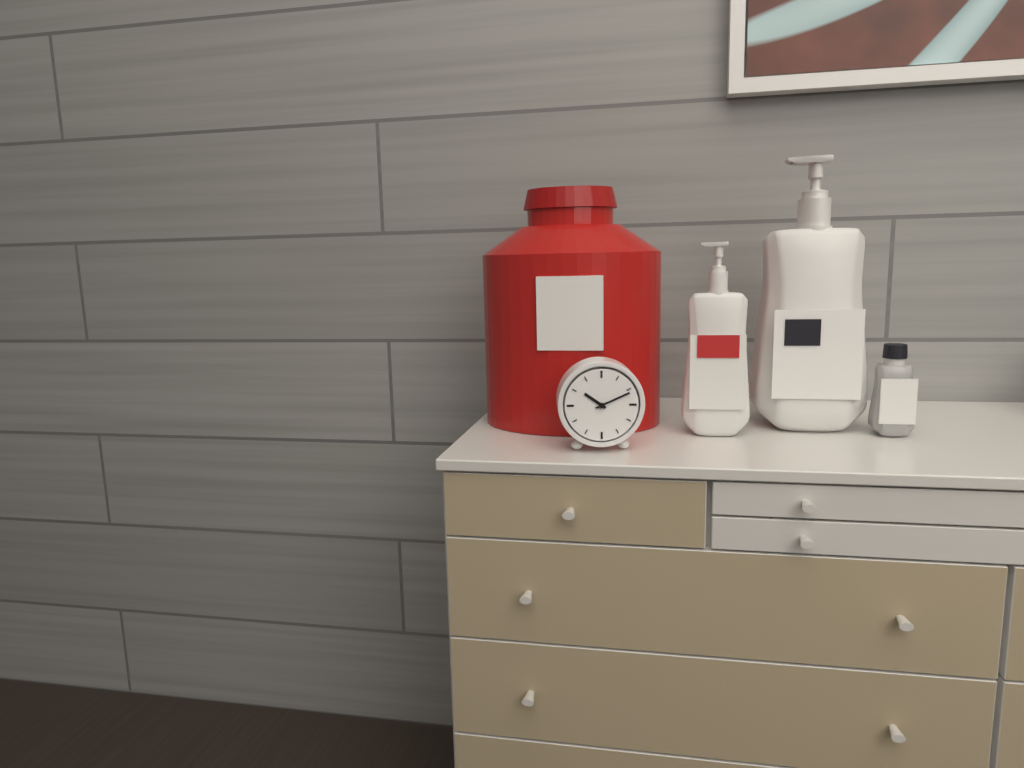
**10:11**
